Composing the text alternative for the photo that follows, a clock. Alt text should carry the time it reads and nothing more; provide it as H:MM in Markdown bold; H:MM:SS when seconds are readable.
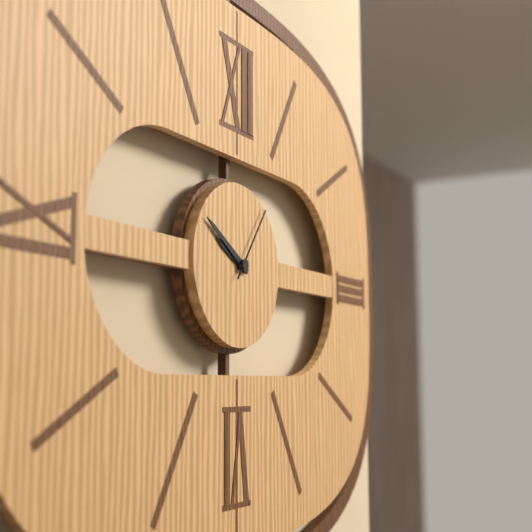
**9:50:06**
